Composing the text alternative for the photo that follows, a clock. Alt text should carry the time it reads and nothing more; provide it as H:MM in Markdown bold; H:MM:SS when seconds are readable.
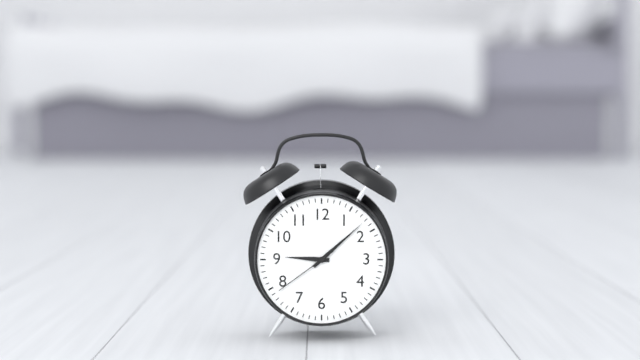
**9:08:39**
